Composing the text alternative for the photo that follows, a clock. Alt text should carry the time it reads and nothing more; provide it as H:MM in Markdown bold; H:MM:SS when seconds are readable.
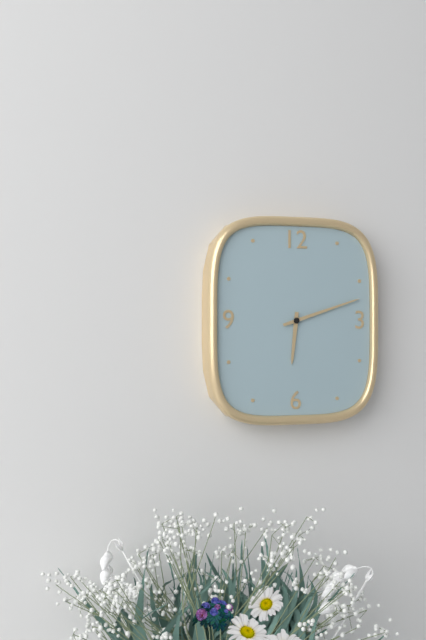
**6:12**
